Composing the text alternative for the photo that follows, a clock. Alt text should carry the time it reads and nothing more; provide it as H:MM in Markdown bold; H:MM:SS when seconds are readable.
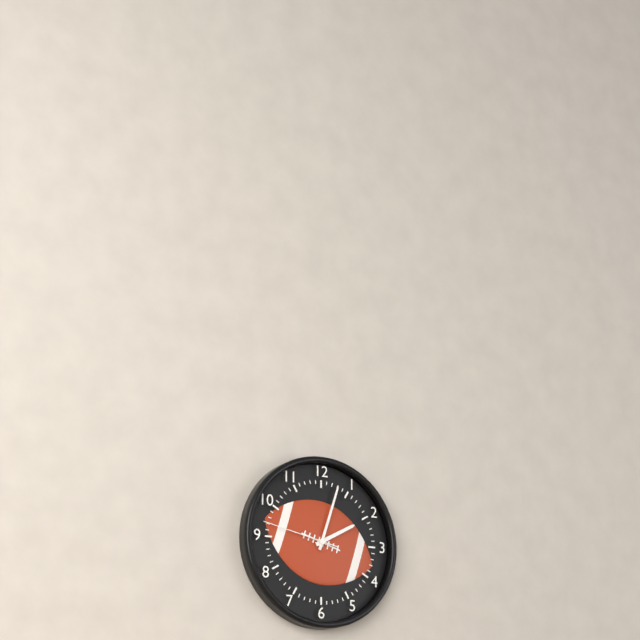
**2:03:47**
